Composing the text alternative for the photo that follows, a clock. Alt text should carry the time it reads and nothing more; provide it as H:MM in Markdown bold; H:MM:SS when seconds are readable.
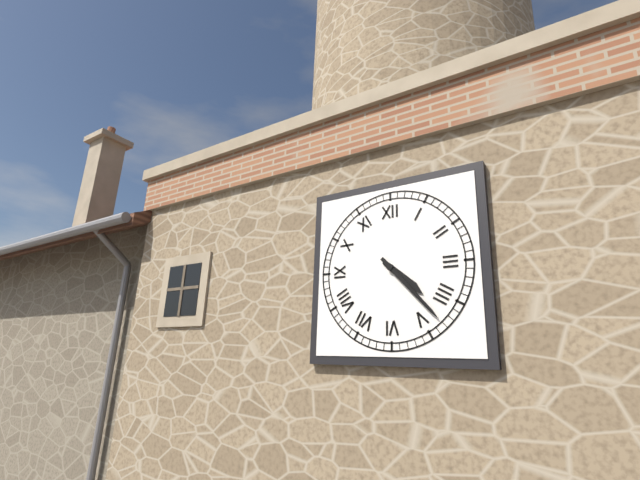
**4:23**
